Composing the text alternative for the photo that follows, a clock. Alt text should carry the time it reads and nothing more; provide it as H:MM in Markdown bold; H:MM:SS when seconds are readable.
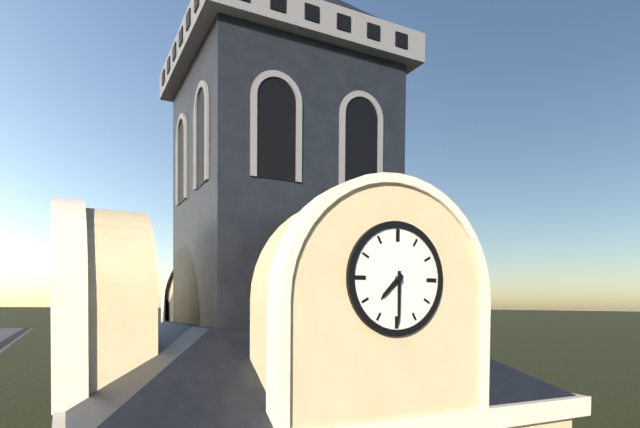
**7:30**
